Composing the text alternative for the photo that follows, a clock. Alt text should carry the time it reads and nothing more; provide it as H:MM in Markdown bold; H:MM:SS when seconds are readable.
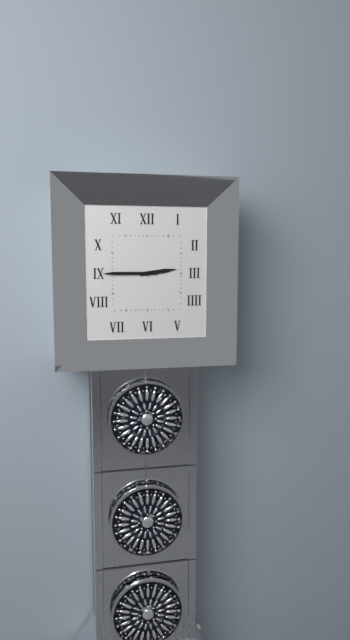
**2:45**
